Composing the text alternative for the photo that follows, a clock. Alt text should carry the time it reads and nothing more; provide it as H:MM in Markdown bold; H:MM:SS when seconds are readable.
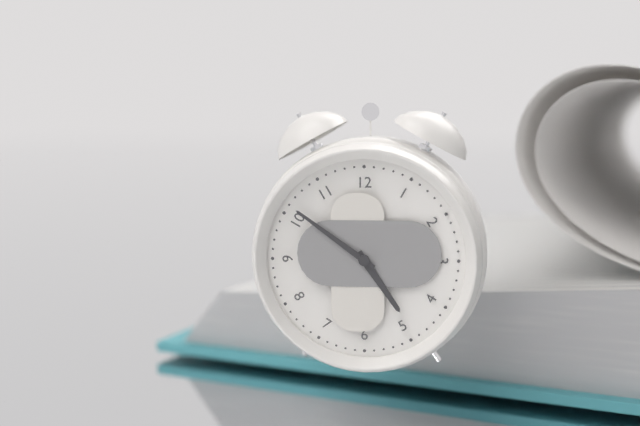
**4:51**
